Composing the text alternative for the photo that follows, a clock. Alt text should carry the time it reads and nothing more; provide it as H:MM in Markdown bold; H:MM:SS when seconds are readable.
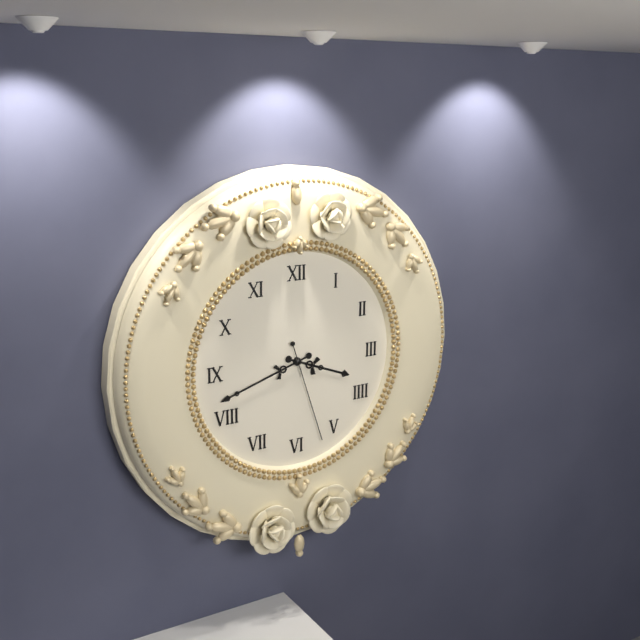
**3:42:27**
